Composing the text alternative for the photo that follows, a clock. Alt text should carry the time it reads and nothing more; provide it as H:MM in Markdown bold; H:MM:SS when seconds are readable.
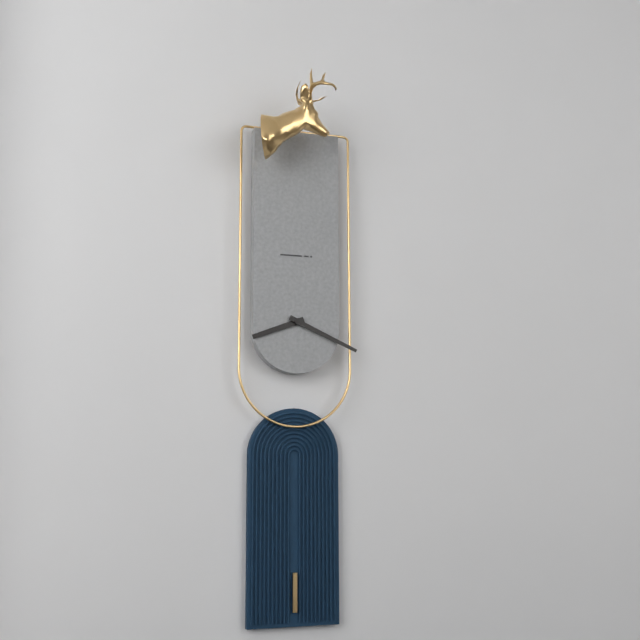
**8:19**
